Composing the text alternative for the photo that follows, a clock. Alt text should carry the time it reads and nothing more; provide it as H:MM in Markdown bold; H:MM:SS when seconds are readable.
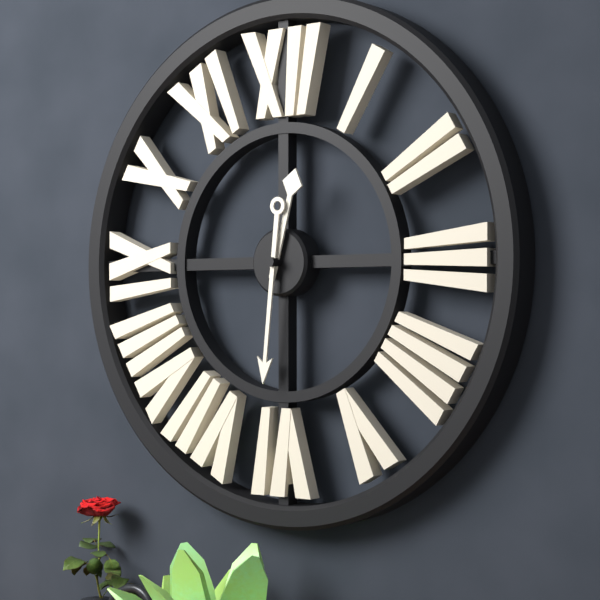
**12:31**
